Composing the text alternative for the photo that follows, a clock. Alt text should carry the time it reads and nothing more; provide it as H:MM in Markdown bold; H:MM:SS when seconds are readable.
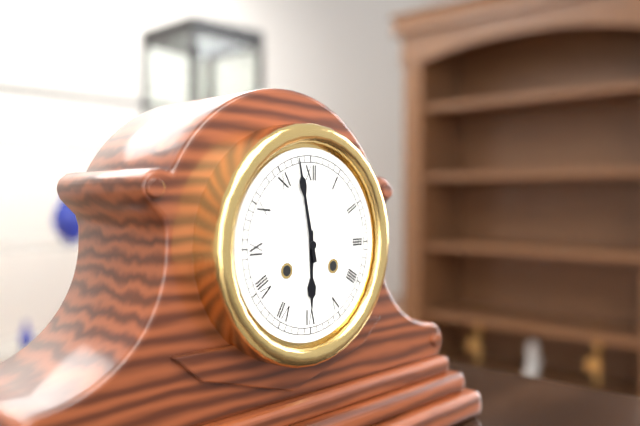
**5:58**
